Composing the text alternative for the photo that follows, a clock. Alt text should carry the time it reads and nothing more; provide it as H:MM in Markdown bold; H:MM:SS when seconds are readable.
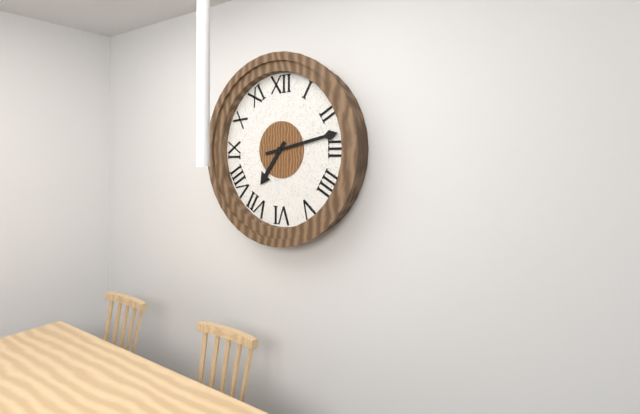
**7:13**
